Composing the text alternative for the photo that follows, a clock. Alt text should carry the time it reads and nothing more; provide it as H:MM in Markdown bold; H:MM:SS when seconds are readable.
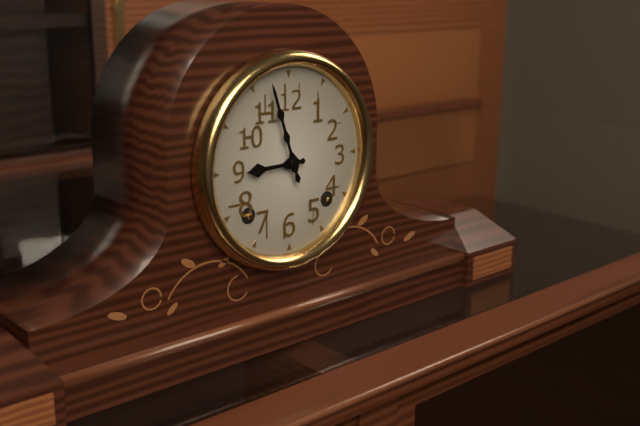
**8:57**
